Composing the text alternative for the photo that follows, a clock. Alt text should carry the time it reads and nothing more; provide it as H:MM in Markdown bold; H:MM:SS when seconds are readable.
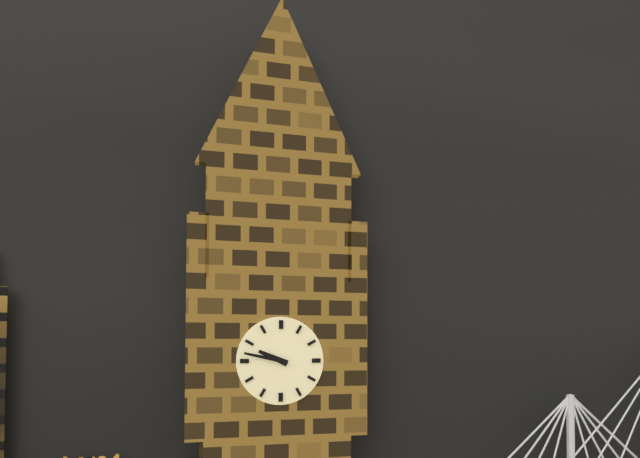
**9:47**
